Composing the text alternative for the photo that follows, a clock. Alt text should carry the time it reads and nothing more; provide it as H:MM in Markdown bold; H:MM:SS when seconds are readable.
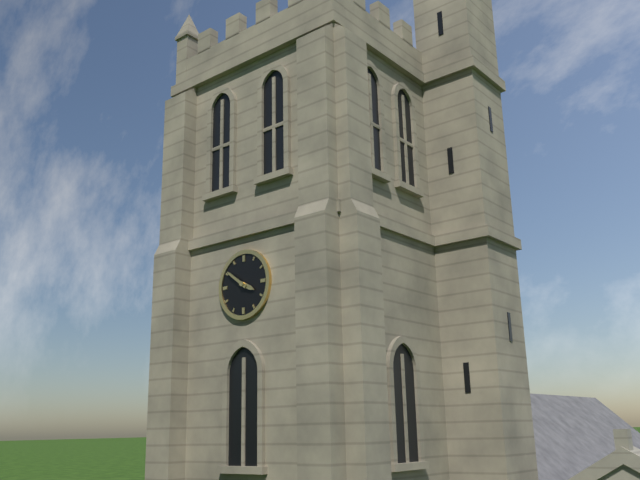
**3:51**
